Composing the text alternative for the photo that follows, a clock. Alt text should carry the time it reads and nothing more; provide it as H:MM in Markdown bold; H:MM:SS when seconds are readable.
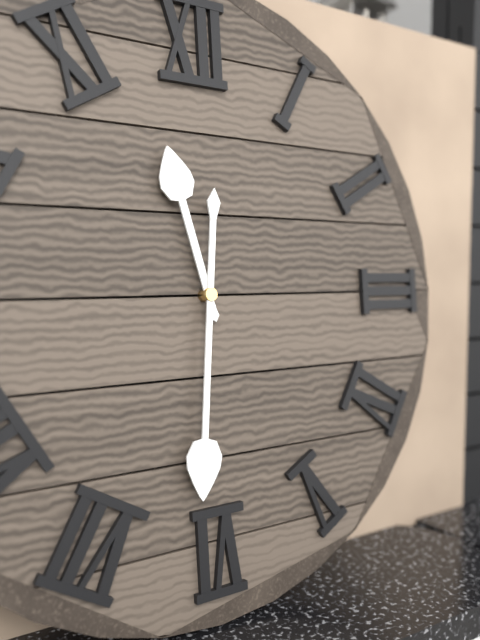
**11:31**
